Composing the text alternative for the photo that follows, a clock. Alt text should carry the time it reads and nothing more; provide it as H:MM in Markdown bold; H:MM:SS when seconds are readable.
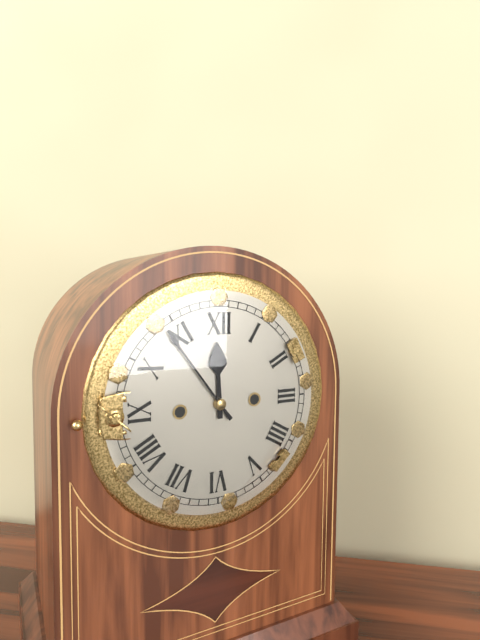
**11:54**
